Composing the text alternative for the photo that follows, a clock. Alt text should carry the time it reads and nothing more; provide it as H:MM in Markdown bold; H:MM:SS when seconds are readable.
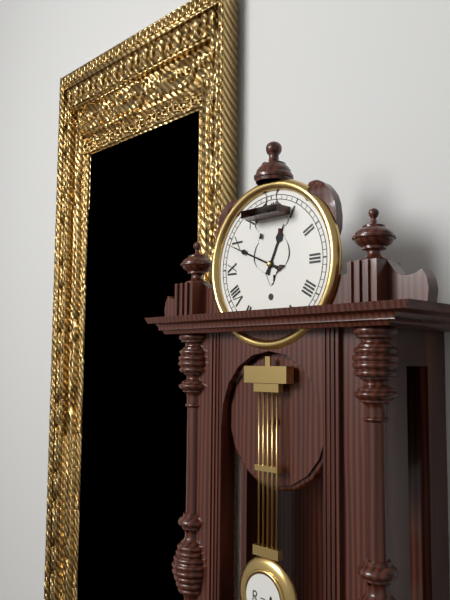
**12:49**
